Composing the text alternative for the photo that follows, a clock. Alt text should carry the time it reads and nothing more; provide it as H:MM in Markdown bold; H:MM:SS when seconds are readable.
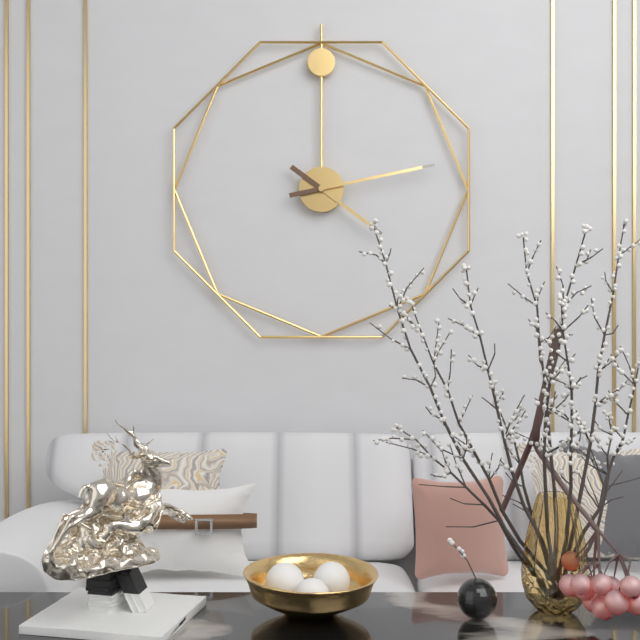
**4:13**
